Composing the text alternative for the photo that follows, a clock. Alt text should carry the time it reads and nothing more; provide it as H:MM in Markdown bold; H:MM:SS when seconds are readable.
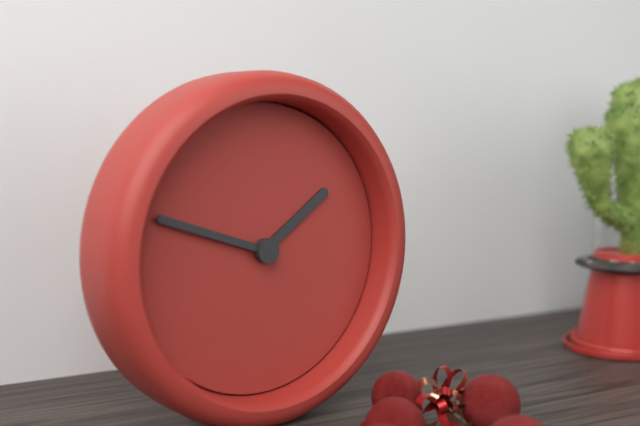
**1:48**
